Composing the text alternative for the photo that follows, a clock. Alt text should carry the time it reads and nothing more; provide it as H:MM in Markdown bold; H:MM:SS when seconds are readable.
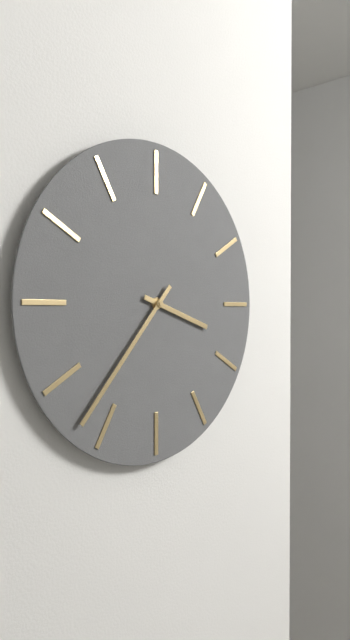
**3:37**
